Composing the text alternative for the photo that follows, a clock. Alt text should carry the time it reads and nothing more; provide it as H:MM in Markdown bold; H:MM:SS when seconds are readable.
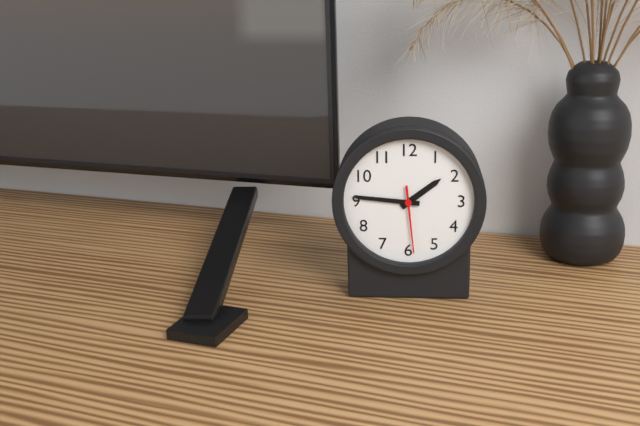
**1:46:29**
